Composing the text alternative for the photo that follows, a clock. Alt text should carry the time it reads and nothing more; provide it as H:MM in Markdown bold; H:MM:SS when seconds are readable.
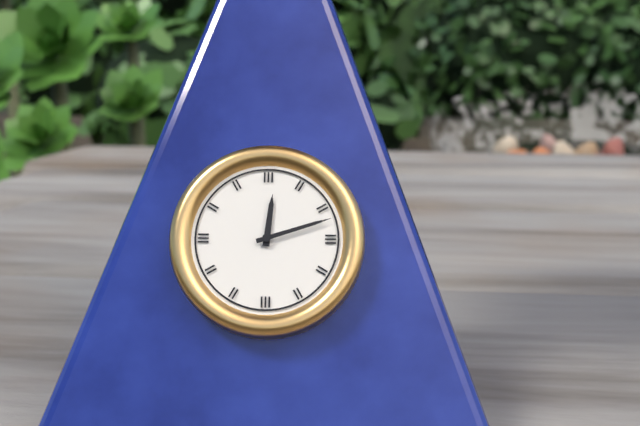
**12:12**
